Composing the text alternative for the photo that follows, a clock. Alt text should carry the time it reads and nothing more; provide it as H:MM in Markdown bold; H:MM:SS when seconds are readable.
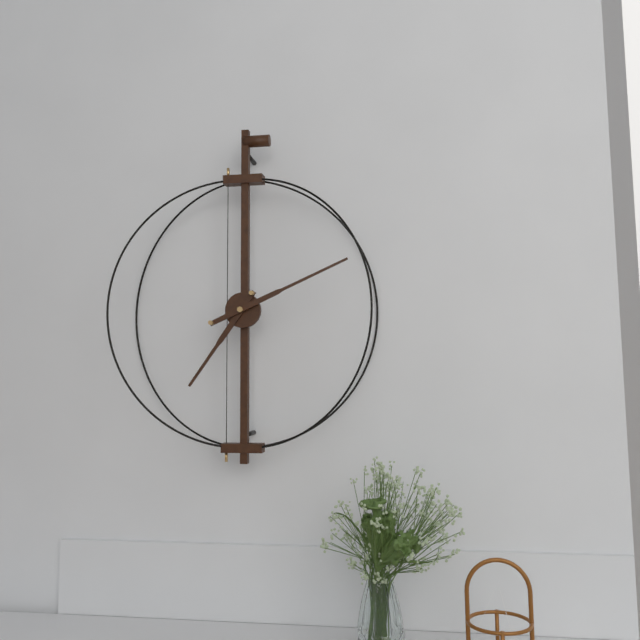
**7:11**
